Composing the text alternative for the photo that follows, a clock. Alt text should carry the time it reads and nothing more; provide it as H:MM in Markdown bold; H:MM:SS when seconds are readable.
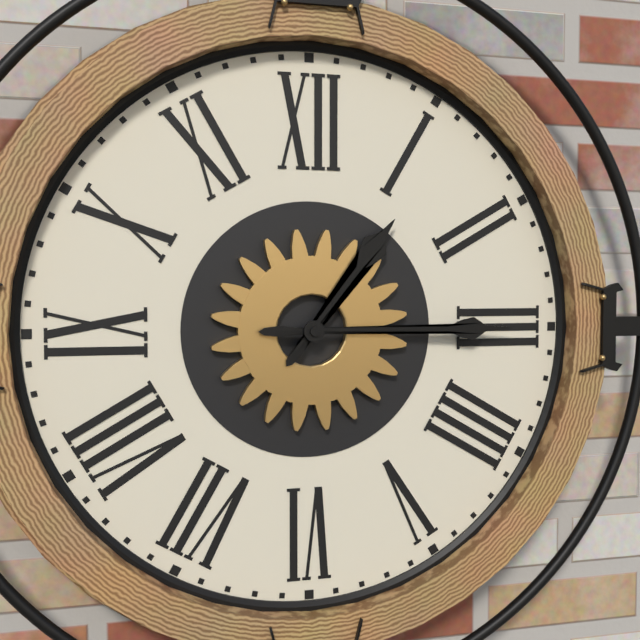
**1:15**
